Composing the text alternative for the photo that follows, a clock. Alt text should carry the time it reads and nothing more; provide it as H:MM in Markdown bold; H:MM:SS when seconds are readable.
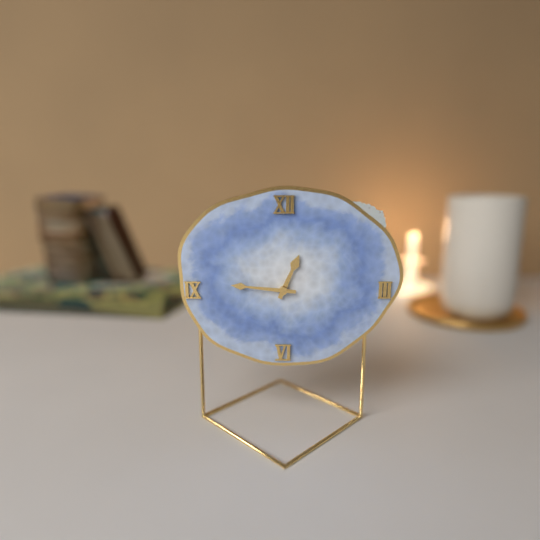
**12:46**
